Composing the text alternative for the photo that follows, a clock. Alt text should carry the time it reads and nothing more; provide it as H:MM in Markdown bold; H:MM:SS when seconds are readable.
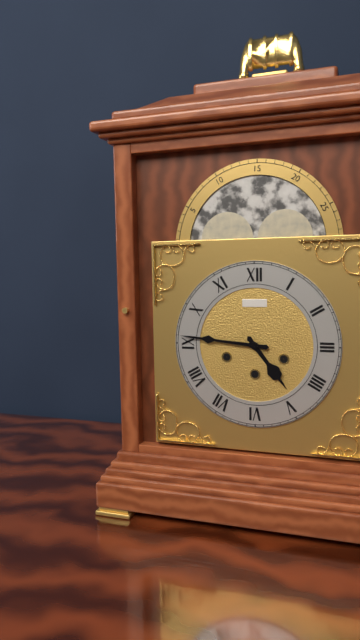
**4:46**
